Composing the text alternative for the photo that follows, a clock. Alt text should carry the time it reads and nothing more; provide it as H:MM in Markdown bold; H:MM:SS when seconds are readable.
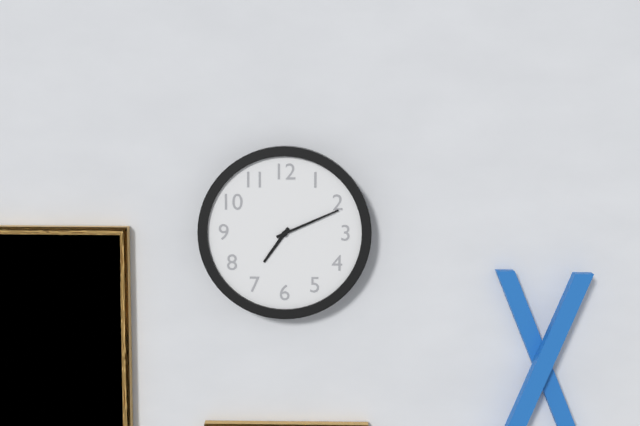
**7:11**
